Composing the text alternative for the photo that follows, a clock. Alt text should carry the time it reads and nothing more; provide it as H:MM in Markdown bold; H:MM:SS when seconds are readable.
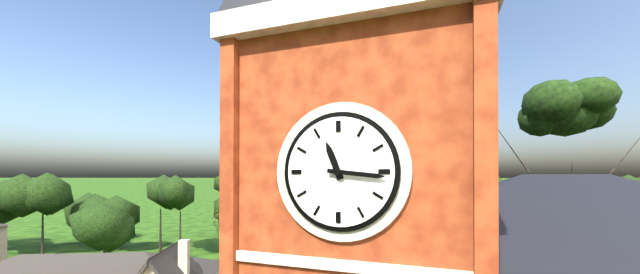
**11:16**
